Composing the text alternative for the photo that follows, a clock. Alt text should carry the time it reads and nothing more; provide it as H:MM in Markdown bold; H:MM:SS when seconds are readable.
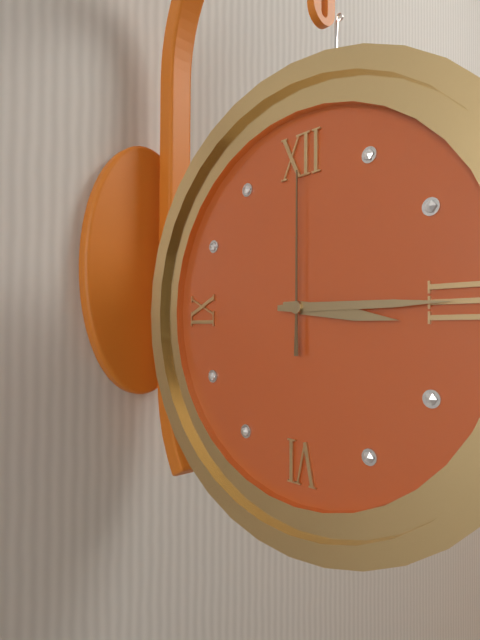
**3:15:00**
